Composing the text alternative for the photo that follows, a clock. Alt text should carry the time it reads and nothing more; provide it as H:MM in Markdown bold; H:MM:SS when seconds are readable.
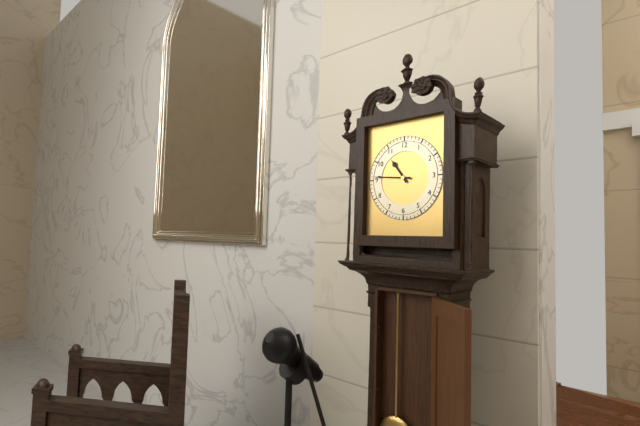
**10:46**
